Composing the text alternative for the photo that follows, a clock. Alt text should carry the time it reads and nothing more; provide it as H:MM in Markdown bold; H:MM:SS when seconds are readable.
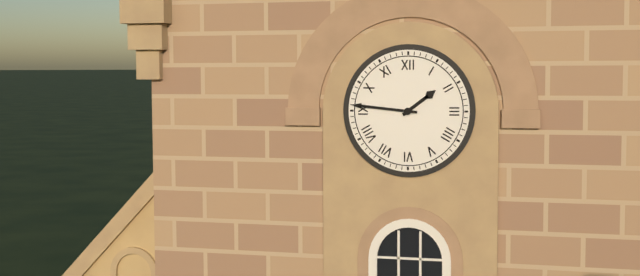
**1:46**
